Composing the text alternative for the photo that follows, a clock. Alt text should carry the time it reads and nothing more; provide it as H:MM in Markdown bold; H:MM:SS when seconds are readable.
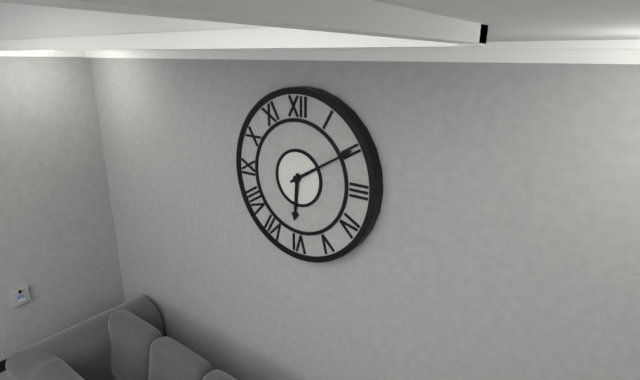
**6:10**
